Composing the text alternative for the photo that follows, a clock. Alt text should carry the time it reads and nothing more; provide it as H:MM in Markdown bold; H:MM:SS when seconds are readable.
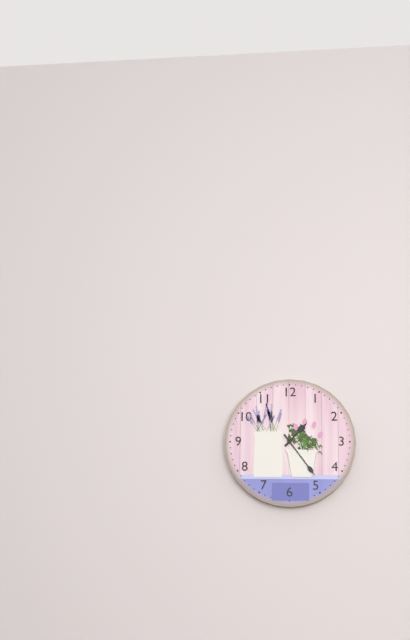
**1:24**
